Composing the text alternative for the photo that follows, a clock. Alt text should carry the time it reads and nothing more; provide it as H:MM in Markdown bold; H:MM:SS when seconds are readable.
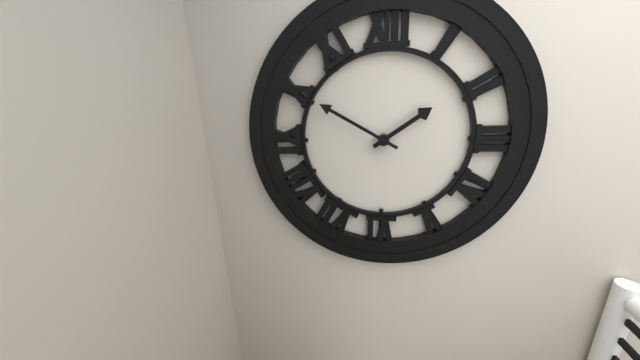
**1:50**
